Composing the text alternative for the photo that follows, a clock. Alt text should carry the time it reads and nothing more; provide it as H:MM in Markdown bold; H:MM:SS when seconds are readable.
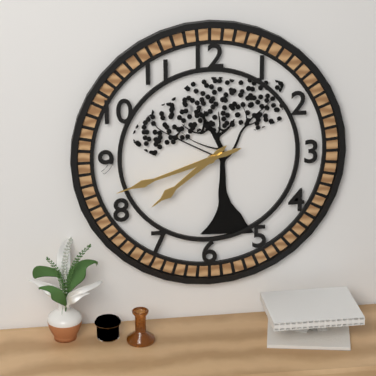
**7:42**
